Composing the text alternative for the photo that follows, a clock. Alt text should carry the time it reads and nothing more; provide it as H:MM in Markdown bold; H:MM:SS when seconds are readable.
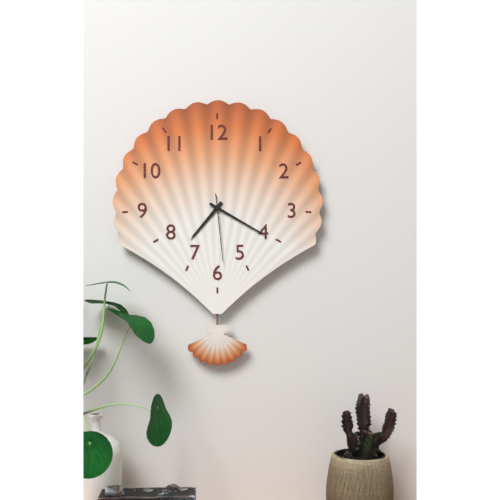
**7:20:29**
